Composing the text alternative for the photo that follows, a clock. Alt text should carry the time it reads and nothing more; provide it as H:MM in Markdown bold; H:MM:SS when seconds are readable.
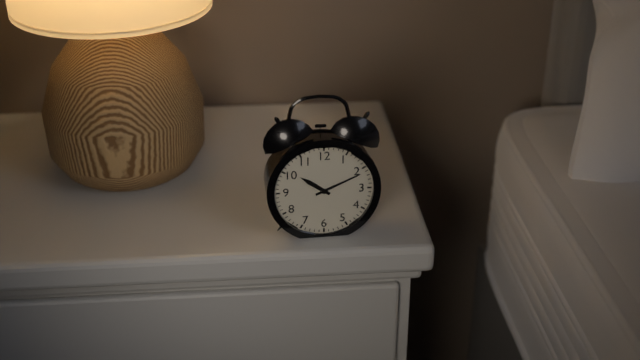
**10:11**
